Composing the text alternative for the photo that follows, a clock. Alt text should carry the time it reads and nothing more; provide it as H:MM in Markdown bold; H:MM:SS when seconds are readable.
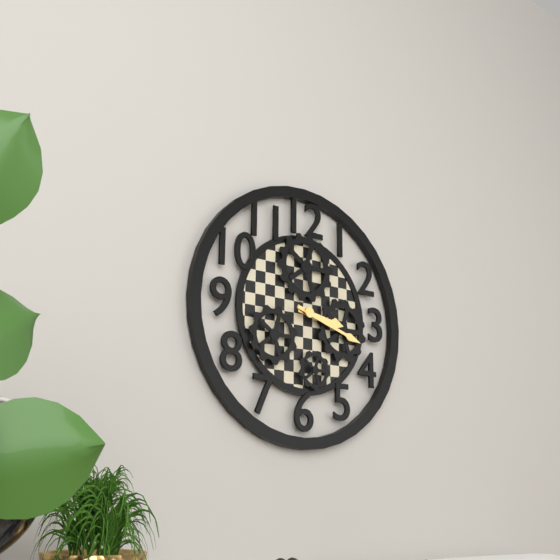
**3:18**
